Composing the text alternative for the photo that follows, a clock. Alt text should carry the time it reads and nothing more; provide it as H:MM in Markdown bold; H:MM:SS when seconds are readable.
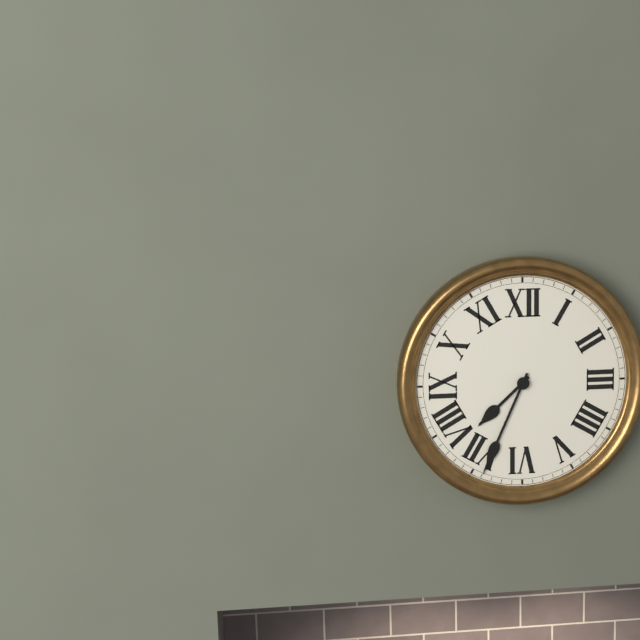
**7:34**
